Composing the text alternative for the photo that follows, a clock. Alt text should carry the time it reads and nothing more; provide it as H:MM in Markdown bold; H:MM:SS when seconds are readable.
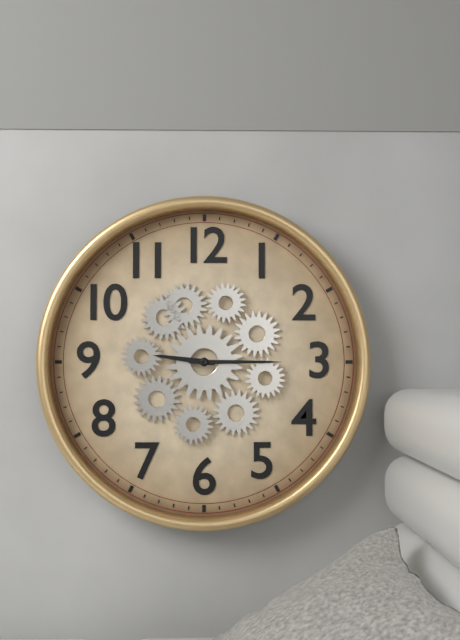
**9:15**
